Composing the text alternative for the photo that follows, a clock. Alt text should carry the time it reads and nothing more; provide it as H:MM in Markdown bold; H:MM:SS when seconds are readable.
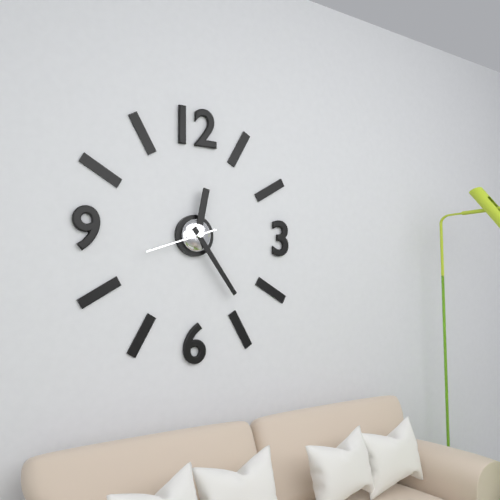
**12:24:42**
